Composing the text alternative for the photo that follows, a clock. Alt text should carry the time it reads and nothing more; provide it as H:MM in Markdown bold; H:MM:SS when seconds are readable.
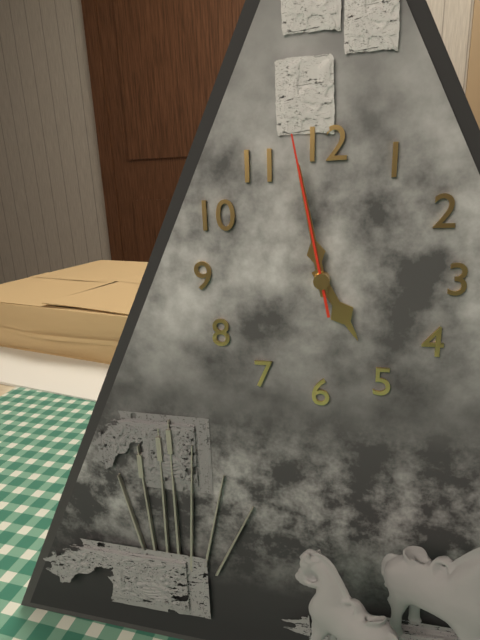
**4:58:58**
